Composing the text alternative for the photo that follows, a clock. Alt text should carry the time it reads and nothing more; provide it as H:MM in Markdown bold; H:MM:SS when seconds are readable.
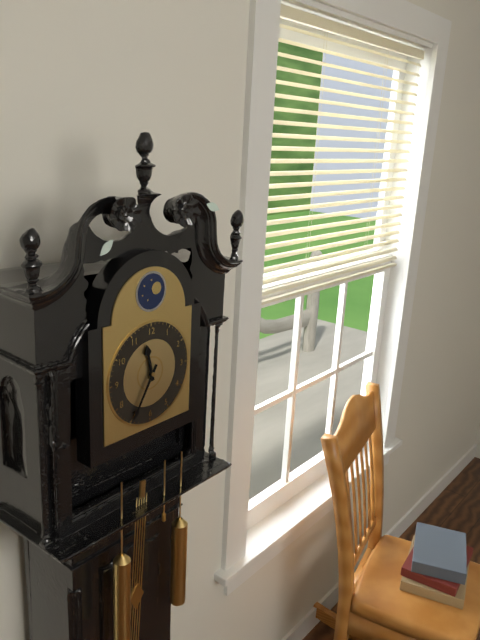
**11:35**
